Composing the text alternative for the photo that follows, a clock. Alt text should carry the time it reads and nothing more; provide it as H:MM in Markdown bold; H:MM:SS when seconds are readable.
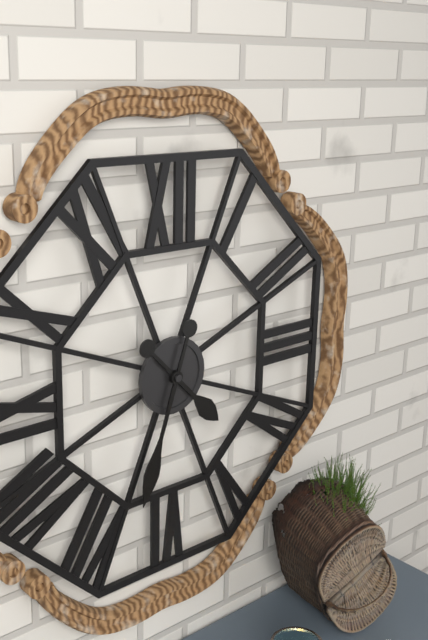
**4:33**
